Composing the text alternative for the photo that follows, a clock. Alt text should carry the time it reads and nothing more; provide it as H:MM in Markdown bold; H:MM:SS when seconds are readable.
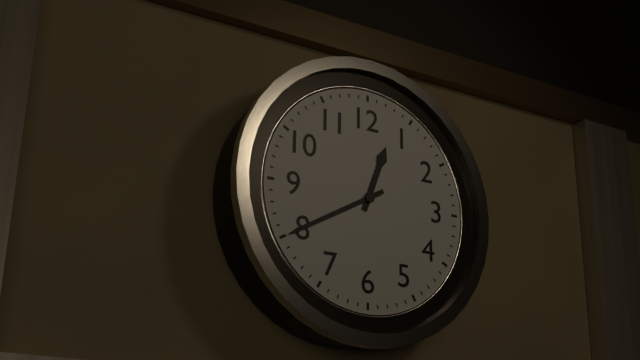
**12:40**
